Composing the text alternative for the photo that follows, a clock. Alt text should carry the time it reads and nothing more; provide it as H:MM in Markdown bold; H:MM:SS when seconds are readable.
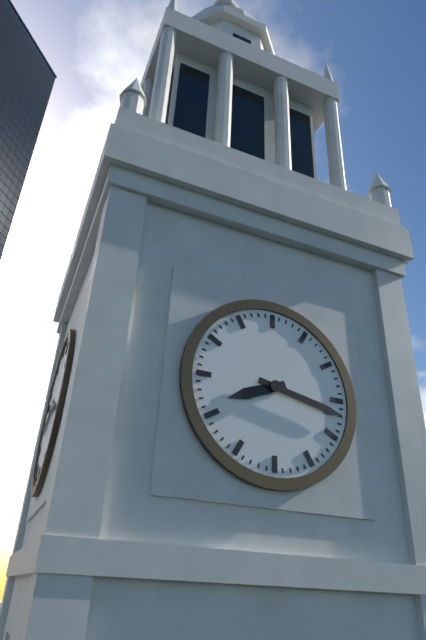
**8:17**
